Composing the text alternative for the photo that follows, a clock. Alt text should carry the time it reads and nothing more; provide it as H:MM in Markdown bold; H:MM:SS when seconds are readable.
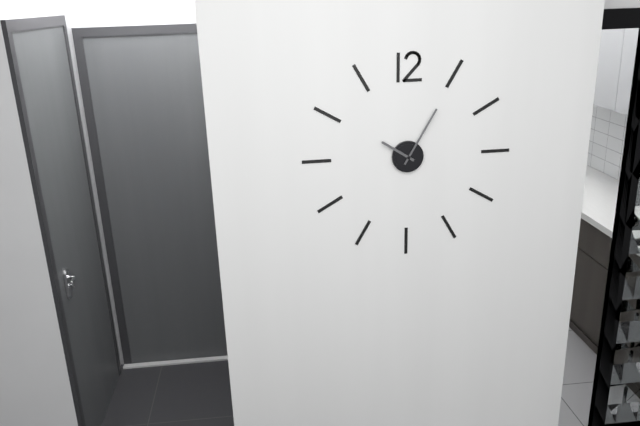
**10:05**
